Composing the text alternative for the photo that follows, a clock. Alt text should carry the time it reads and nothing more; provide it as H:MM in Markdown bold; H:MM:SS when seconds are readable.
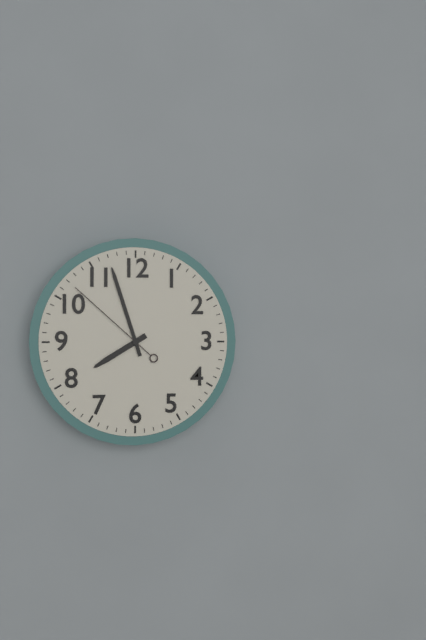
**7:57:52**
